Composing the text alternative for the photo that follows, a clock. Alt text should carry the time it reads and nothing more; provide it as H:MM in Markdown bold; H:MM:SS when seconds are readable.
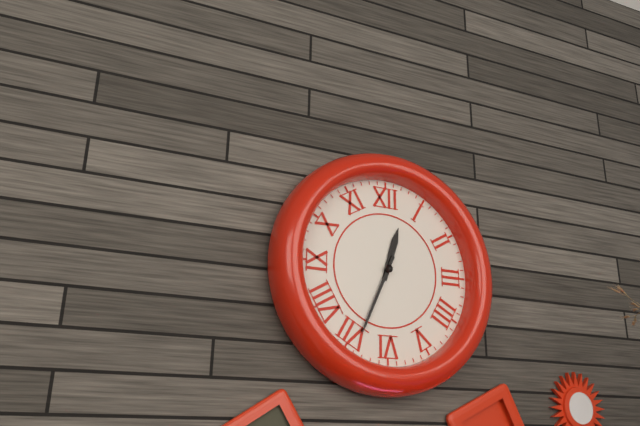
**12:34**
